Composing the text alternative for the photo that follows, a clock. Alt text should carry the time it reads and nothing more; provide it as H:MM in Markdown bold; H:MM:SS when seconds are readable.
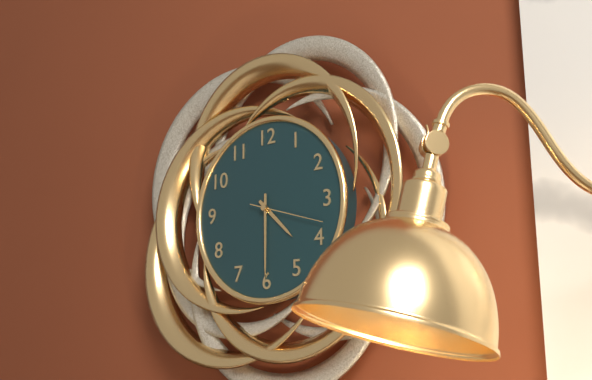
**4:30:18**
